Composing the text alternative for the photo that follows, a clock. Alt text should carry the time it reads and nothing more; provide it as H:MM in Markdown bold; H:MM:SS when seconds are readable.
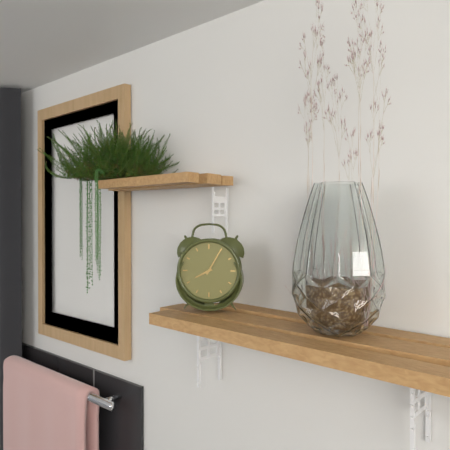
**8:05**
